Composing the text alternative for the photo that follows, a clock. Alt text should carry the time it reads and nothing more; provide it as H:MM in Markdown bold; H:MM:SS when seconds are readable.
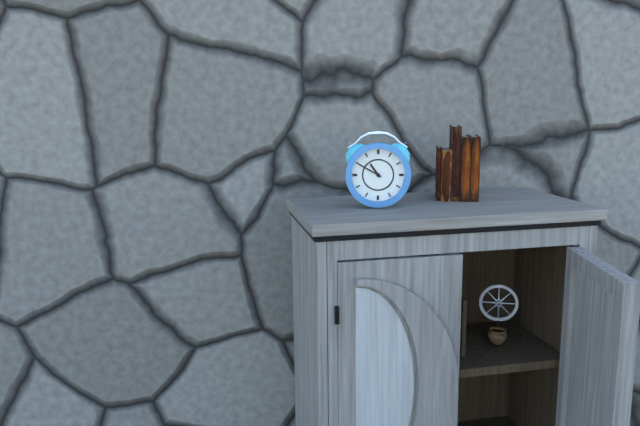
**10:50**
